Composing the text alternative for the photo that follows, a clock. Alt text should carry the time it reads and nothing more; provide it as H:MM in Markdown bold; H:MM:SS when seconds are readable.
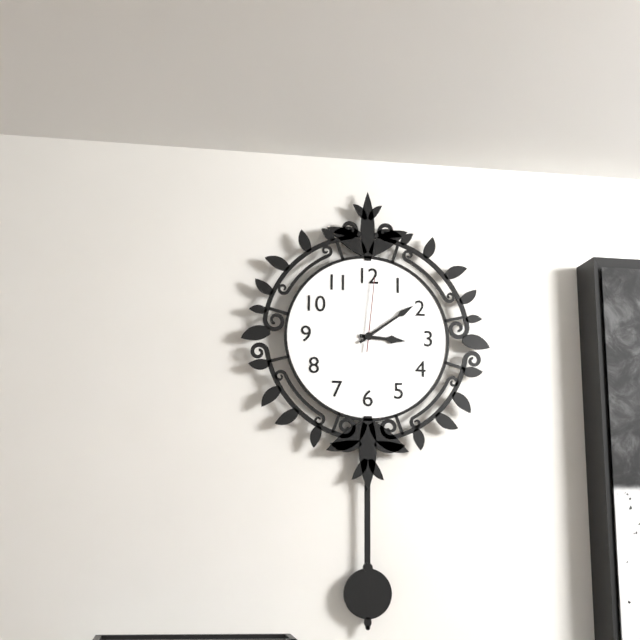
**3:09:01**
